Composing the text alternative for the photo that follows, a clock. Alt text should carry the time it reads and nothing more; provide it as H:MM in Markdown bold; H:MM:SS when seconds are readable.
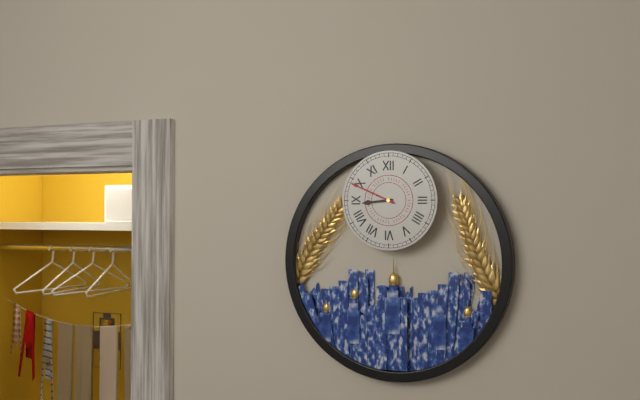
**8:49**
